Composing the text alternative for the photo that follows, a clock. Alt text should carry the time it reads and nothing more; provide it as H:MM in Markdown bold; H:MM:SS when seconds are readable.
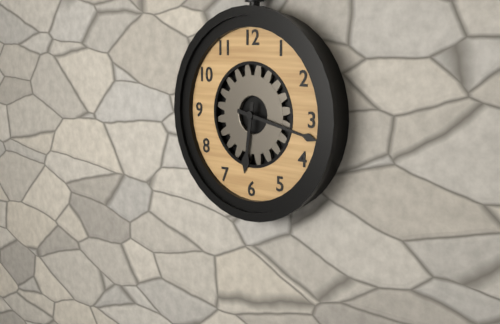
**6:17**
